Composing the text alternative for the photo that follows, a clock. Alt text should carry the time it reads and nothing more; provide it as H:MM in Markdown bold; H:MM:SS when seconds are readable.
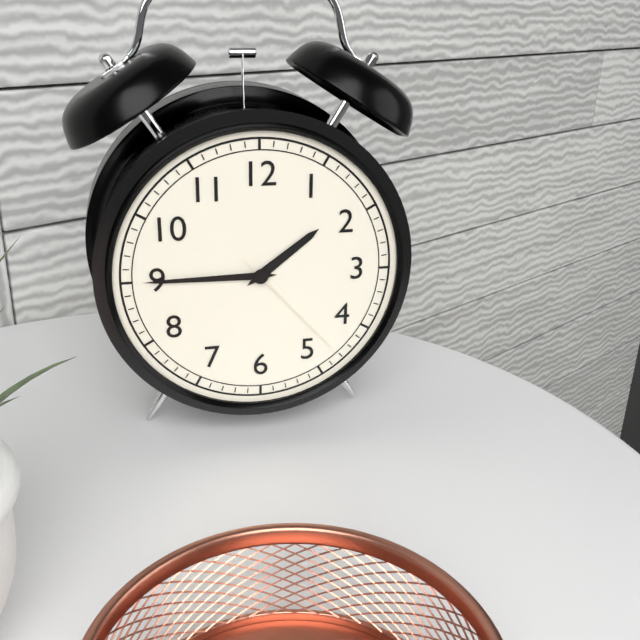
**1:45:23**
